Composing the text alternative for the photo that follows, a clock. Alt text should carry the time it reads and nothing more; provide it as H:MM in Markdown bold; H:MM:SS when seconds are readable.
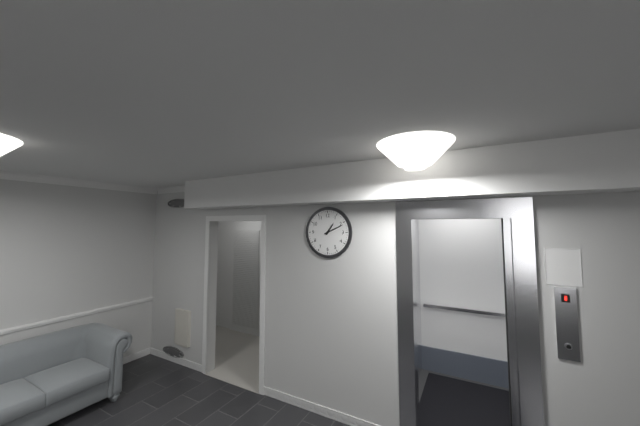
**1:11**
